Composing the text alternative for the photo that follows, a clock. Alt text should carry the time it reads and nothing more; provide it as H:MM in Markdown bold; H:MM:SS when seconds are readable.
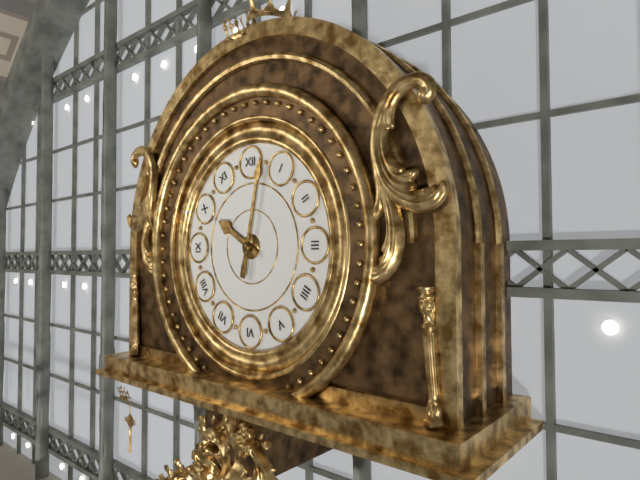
**10:02**
